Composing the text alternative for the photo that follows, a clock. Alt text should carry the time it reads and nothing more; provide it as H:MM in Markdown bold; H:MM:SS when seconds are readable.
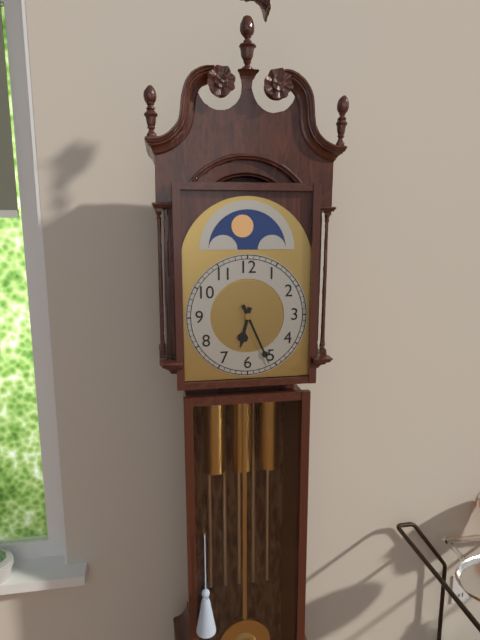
**6:26**
